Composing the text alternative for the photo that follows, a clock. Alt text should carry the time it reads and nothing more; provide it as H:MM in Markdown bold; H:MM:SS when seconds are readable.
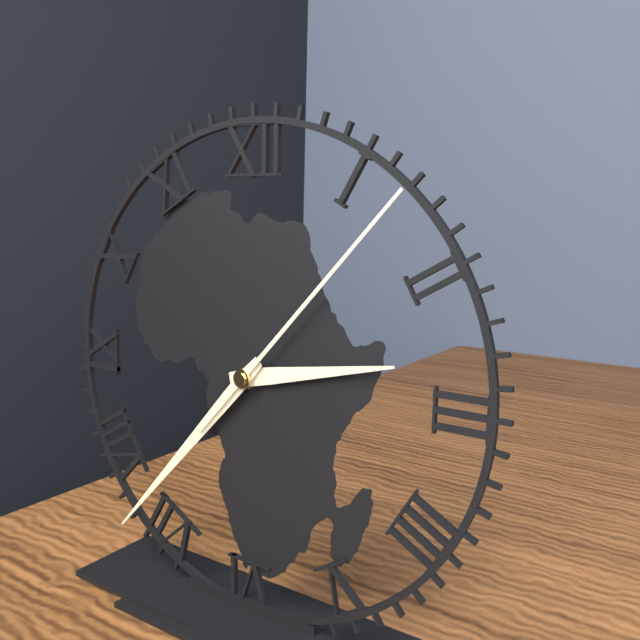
**2:37:07**
